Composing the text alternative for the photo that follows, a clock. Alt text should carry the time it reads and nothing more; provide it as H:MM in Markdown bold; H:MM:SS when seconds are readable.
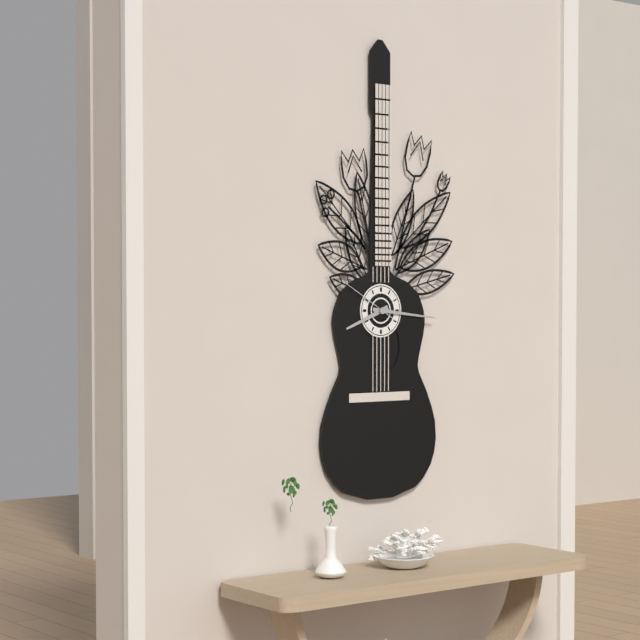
**8:16:50**
